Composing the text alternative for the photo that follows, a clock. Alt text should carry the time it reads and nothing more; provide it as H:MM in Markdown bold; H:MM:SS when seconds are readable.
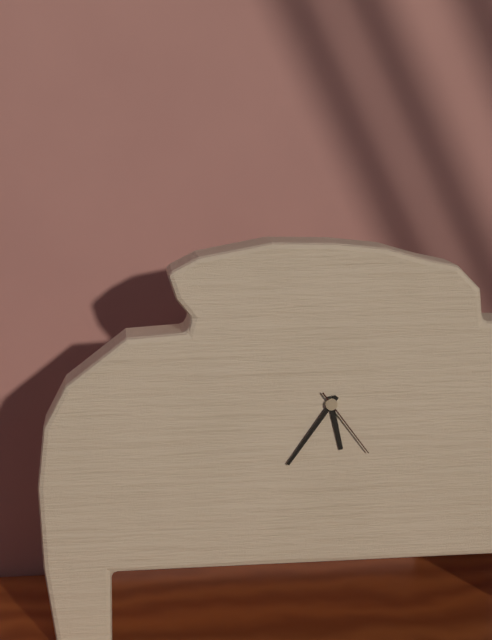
**5:36:24**
